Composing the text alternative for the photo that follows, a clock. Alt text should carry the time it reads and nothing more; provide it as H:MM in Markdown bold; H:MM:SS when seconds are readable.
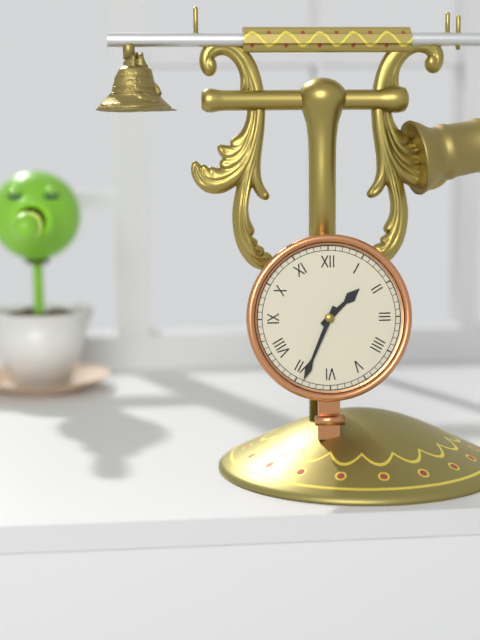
**1:34**
